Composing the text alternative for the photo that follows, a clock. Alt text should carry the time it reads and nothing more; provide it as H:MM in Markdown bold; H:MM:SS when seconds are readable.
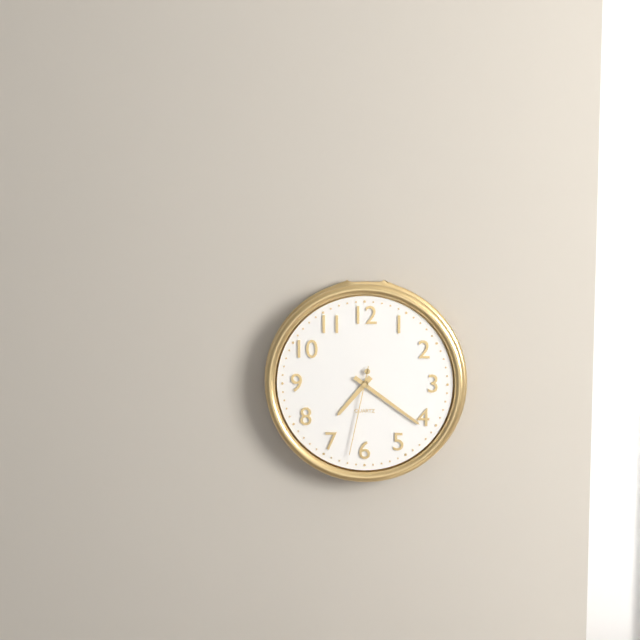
**7:21:32**
